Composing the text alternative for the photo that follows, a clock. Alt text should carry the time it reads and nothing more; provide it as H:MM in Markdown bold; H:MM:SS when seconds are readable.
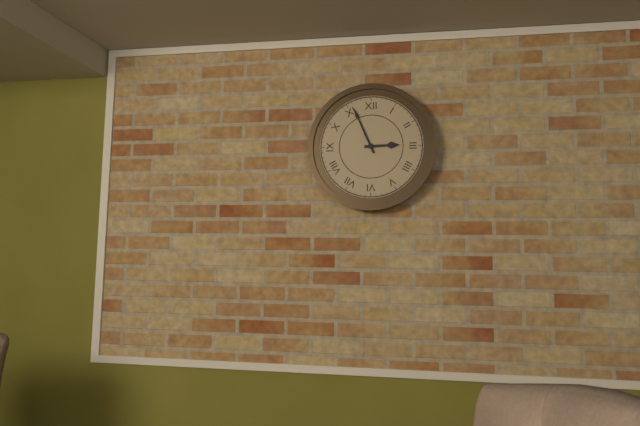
**2:56**
